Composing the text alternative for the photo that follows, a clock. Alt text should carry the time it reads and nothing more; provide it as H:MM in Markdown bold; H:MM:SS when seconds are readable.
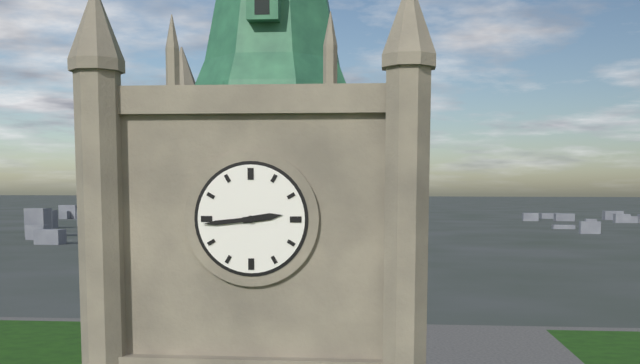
**2:44**
